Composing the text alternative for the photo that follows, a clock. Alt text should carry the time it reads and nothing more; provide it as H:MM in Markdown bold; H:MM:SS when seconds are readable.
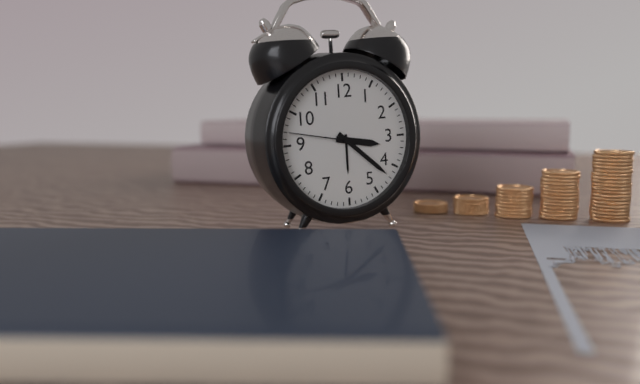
**3:22:47**
